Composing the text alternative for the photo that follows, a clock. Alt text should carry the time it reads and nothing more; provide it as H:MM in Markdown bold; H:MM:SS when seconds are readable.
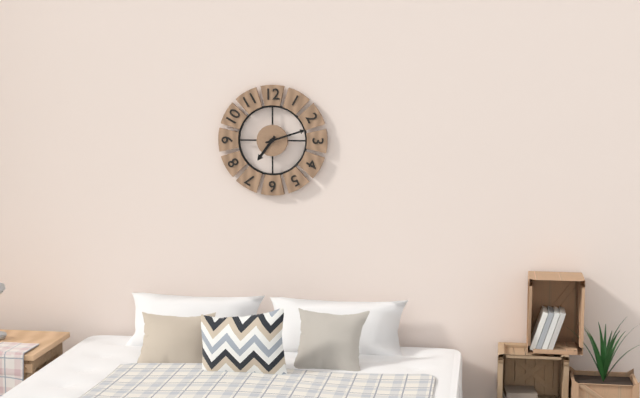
**7:12**
